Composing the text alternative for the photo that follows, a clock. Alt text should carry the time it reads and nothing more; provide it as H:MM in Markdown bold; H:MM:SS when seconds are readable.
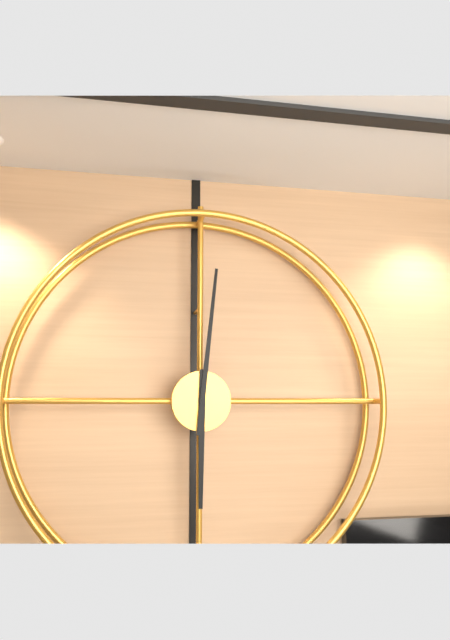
**6:01**
